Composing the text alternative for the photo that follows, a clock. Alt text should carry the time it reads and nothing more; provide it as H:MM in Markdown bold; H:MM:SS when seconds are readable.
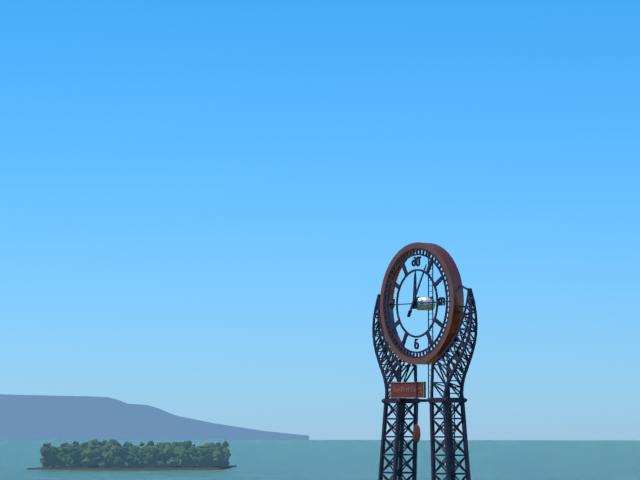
**12:05**
